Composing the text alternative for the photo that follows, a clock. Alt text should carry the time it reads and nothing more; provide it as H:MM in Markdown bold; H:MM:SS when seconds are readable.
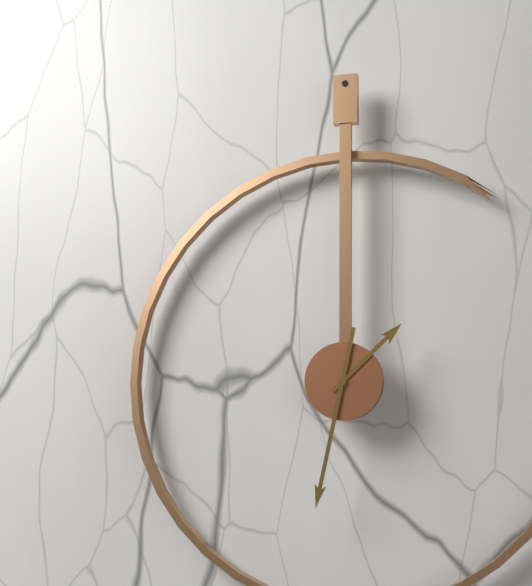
**1:32**
